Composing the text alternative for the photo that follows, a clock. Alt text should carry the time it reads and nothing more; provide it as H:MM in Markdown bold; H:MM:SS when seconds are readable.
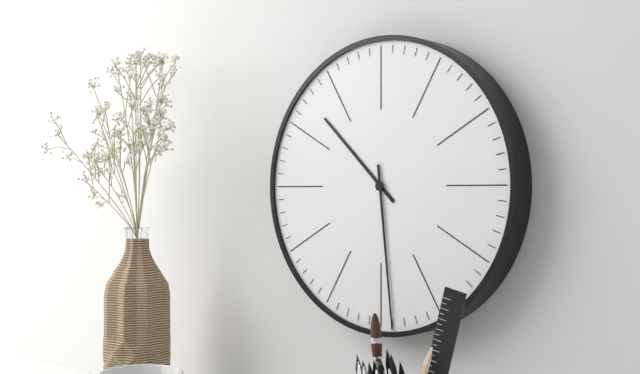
**10:29**
